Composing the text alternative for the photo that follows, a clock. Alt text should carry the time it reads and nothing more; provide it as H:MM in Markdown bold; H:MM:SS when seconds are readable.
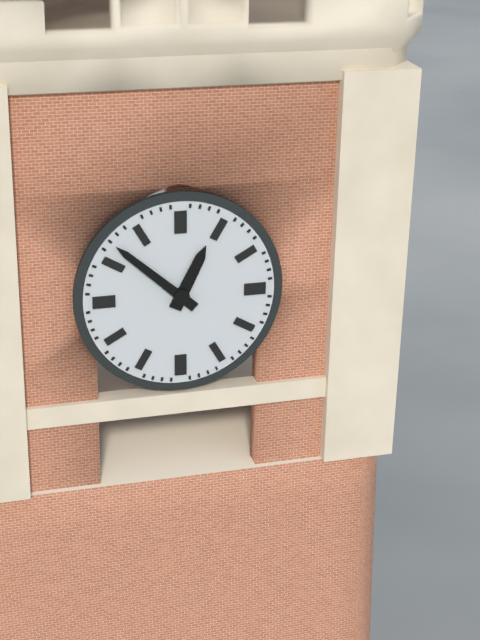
**12:52**
